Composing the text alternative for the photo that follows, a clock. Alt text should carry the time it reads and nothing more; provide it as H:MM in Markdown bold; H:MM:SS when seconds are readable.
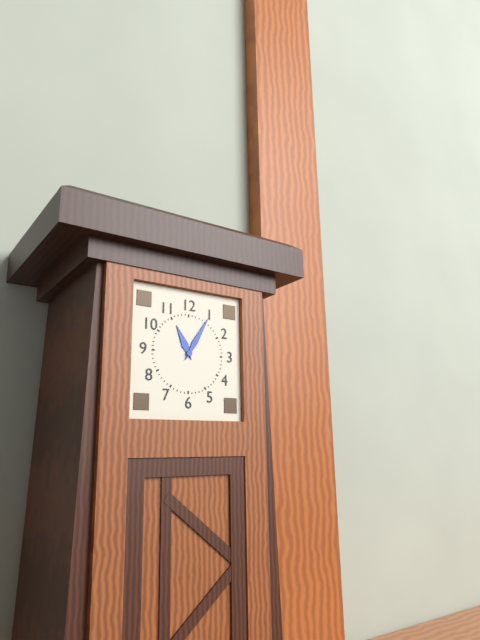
**11:05**
